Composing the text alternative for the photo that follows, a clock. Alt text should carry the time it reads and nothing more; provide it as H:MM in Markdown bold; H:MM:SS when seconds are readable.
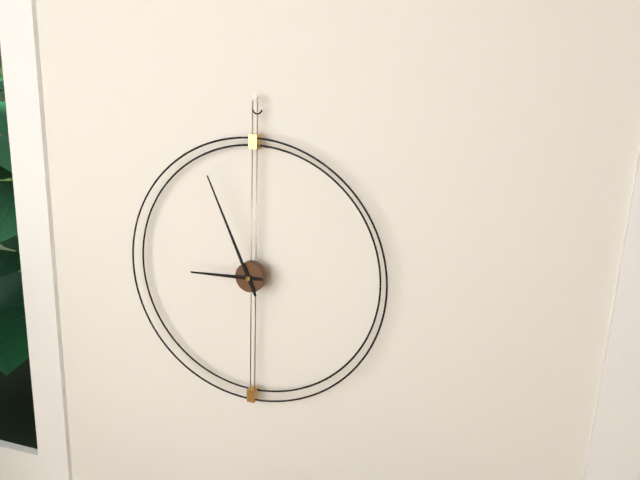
**8:56**
